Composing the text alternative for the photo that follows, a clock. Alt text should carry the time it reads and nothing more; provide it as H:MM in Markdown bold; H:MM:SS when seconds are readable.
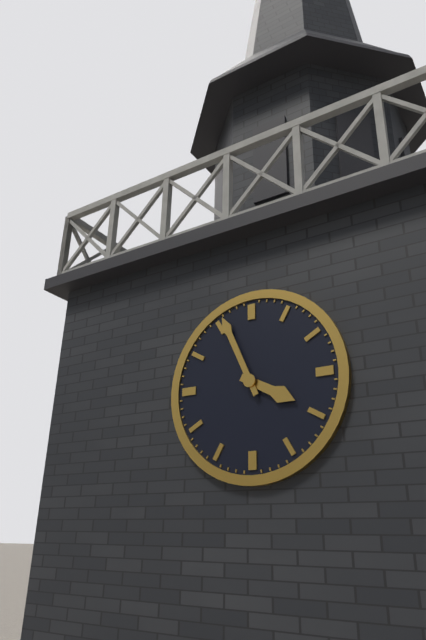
**3:56**
